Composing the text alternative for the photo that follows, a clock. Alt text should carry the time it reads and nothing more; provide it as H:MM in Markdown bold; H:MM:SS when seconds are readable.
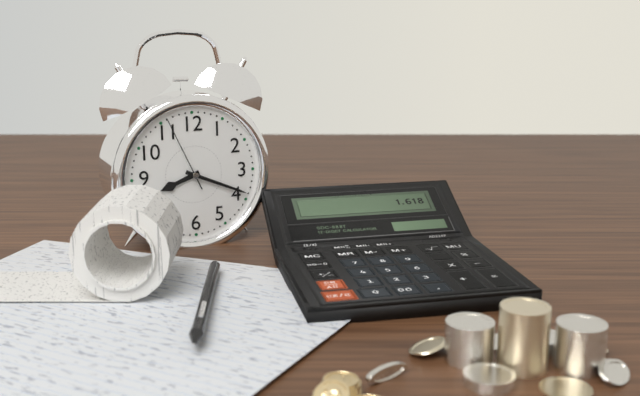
**8:19:56**
